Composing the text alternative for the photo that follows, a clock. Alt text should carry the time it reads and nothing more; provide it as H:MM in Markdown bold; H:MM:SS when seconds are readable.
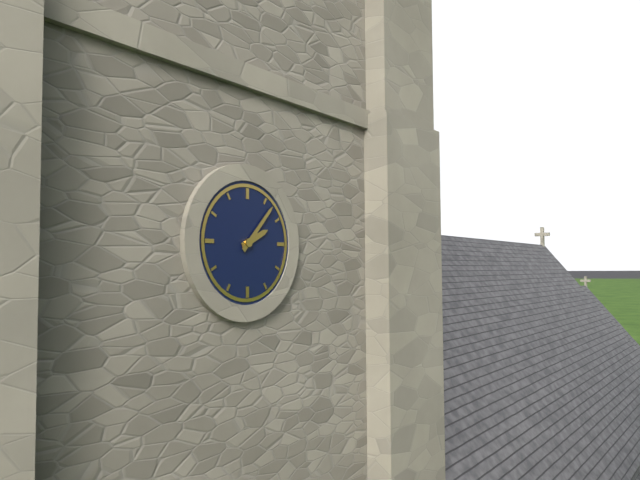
**2:07**
